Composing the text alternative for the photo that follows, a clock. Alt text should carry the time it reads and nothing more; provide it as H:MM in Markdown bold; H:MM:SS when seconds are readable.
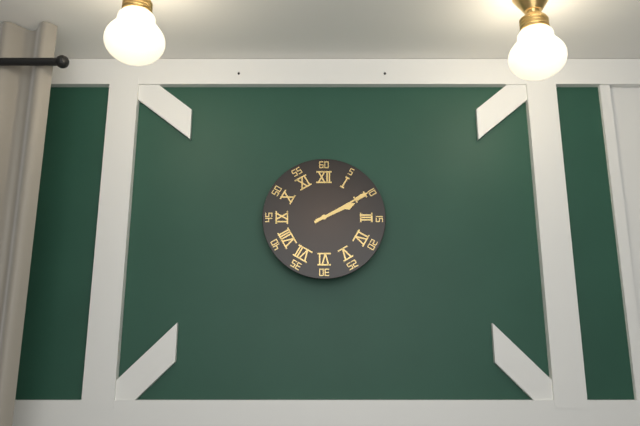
**2:10**
